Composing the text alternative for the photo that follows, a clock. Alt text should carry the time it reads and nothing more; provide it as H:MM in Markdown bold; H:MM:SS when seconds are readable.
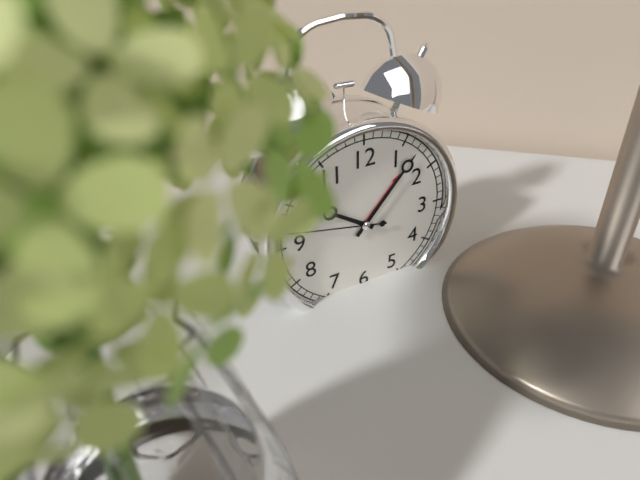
**10:07**
